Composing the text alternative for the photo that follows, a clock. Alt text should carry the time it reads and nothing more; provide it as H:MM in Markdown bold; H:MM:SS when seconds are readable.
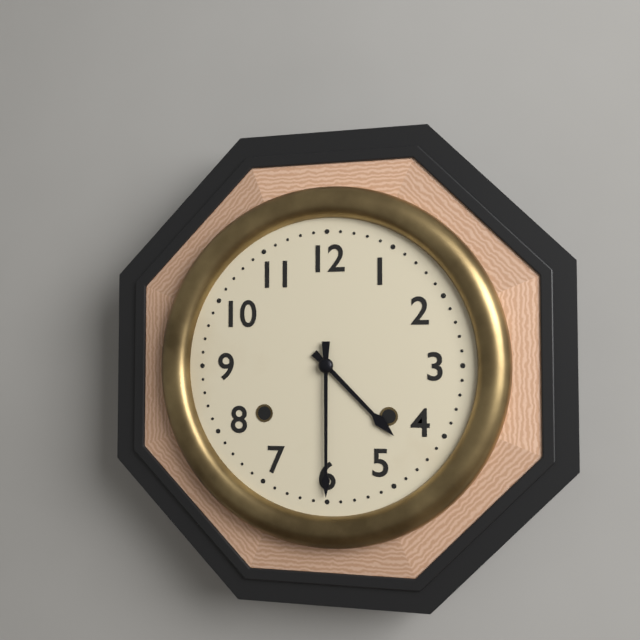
**4:30**
